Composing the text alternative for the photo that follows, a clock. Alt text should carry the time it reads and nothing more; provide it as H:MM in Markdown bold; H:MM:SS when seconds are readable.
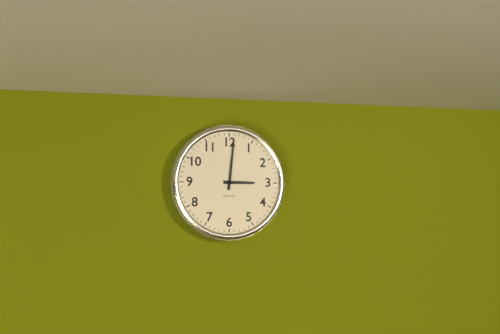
**3:01**
